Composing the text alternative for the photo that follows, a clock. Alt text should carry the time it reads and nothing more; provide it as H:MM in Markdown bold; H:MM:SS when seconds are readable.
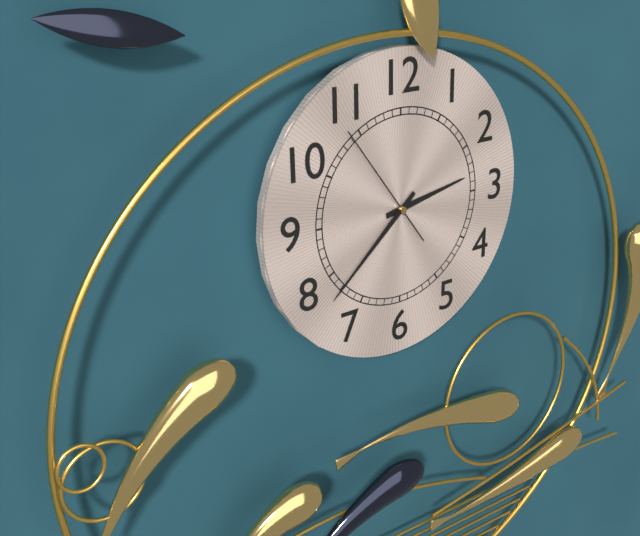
**2:38:54**
